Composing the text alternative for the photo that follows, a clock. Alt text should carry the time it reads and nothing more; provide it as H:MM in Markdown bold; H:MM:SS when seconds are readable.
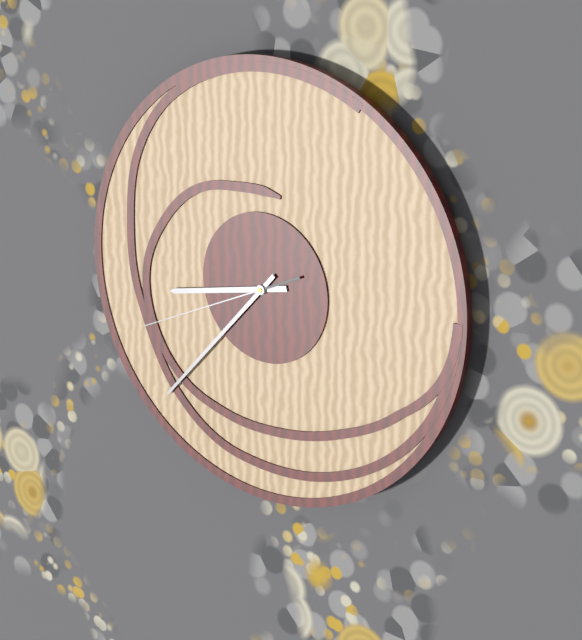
**8:37:41**
